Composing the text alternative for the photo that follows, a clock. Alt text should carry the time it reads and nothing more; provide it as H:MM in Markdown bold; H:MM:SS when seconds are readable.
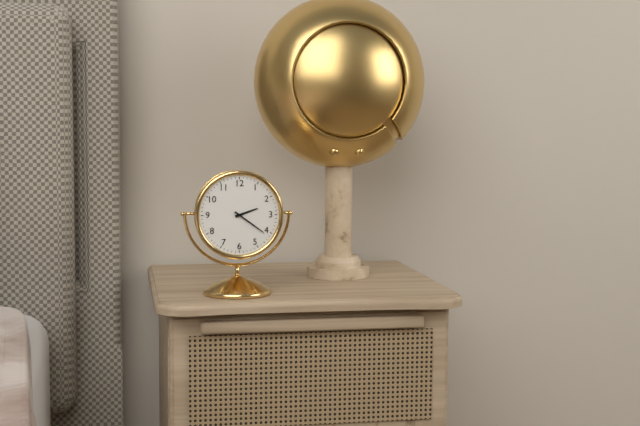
**2:21**
